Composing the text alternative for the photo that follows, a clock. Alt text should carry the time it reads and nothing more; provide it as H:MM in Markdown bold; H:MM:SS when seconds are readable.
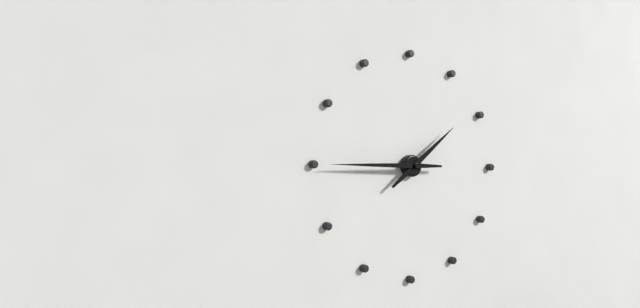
**1:45**
